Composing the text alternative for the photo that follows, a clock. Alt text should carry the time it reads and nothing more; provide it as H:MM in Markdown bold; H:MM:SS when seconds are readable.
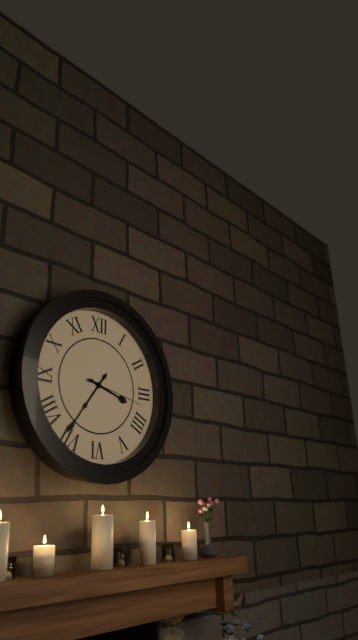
**3:36:17**
